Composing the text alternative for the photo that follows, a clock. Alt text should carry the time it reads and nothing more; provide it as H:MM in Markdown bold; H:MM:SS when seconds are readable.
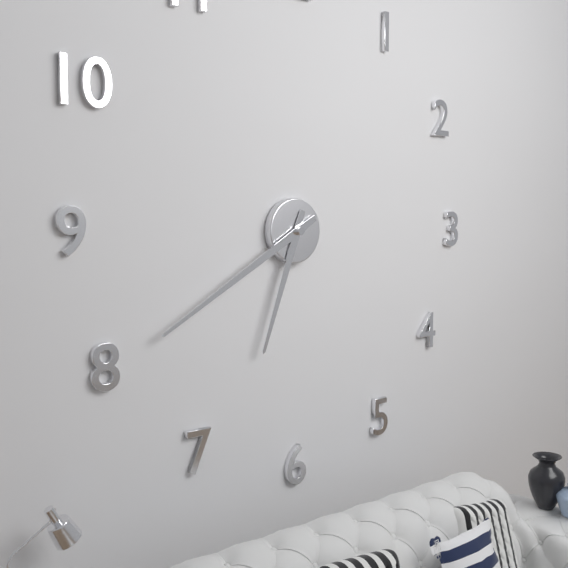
**6:40**
